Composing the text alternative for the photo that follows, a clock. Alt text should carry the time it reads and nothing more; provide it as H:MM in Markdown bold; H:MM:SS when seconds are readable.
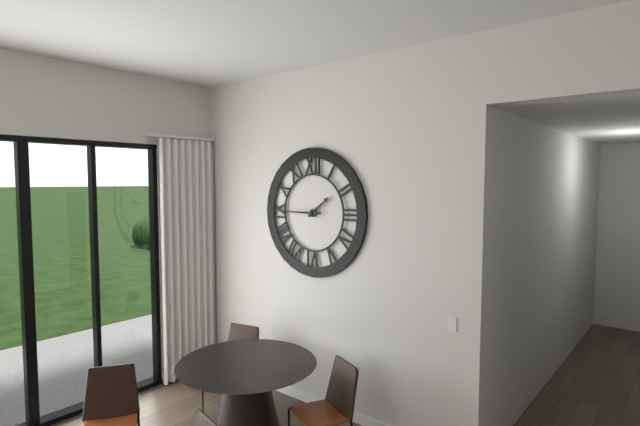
**1:45**
